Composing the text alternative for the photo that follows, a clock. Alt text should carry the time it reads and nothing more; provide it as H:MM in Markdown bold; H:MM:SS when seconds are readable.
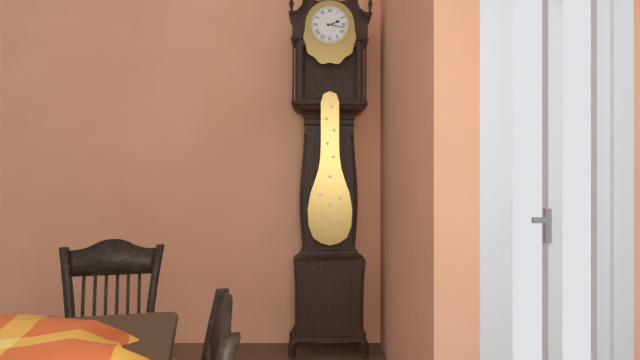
**2:17**
